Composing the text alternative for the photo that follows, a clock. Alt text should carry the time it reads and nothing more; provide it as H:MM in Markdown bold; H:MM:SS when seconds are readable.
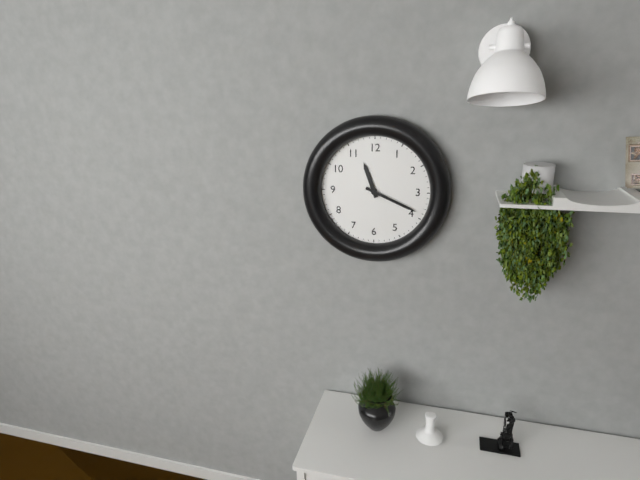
**11:19**
